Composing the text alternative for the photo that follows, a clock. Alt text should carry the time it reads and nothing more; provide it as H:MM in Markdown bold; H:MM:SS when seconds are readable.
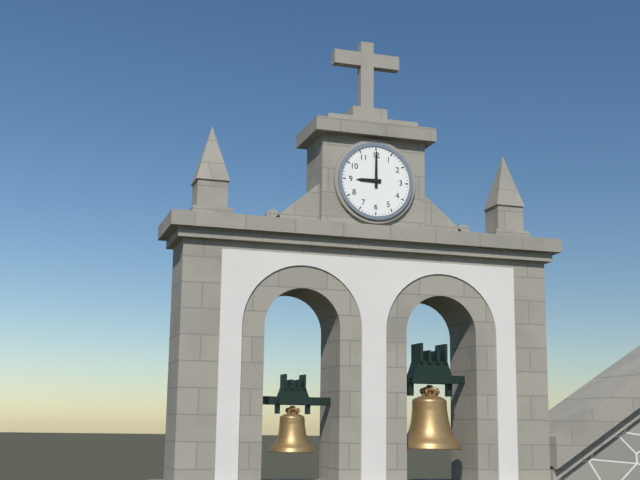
**9:00**
